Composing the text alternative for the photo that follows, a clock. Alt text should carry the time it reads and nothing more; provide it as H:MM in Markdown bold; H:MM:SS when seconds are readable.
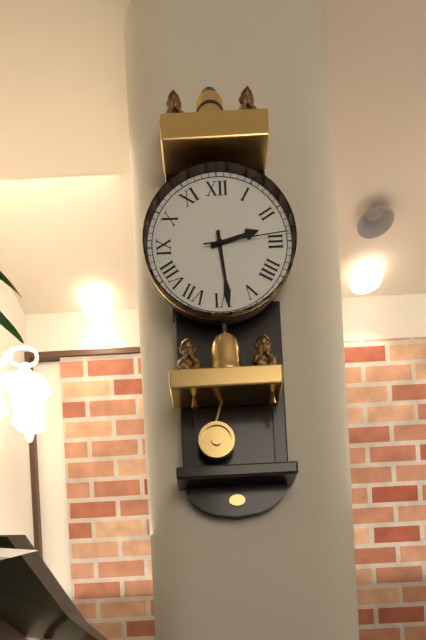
**2:29:14**
